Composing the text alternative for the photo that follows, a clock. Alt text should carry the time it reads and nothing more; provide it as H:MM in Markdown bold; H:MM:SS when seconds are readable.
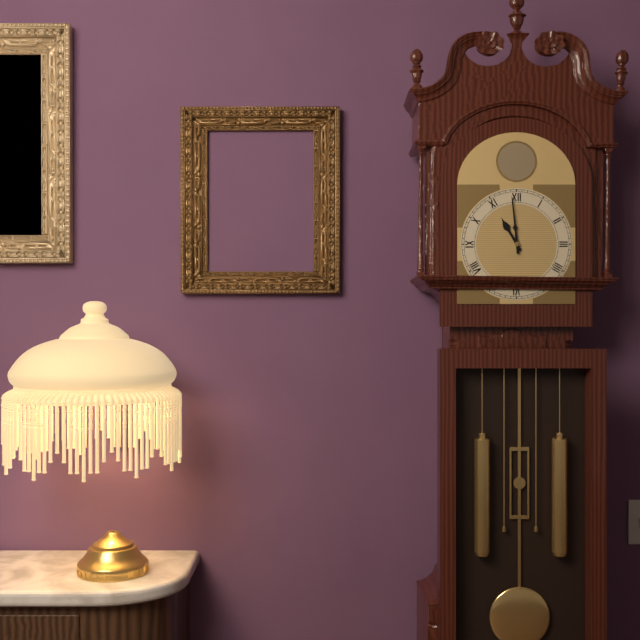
**10:59**
